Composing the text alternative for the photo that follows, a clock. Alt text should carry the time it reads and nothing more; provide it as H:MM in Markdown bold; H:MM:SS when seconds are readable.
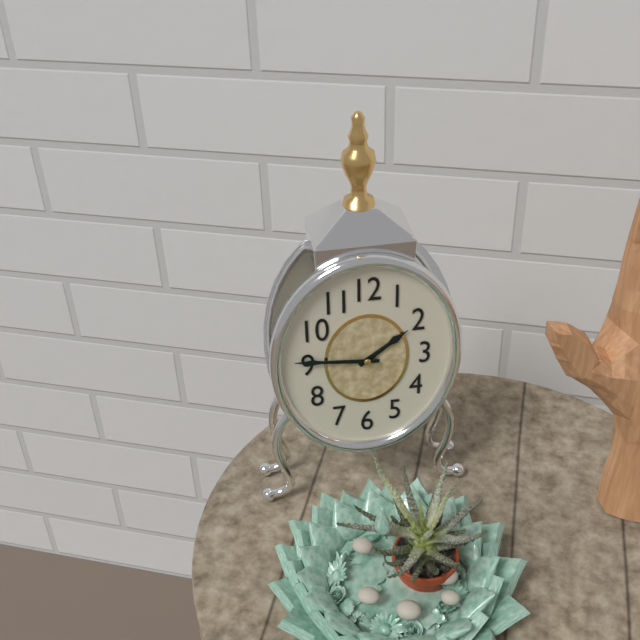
**1:46**
